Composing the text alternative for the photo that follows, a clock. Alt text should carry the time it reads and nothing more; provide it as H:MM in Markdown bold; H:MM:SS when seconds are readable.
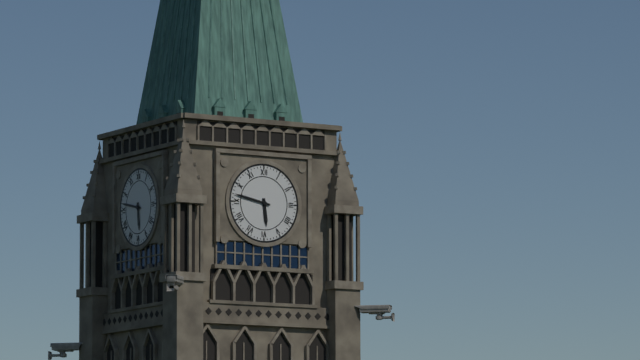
**5:47**
